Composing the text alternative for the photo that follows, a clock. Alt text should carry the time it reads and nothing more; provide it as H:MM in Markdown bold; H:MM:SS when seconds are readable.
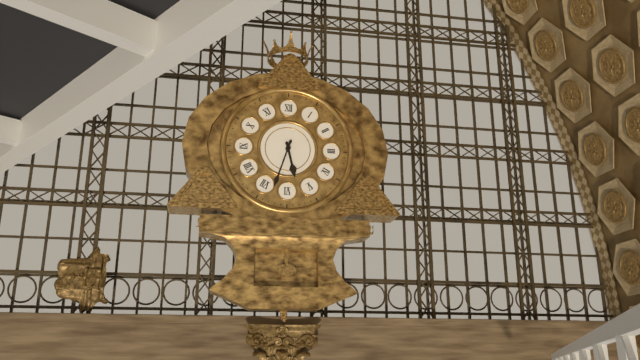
**5:33**
